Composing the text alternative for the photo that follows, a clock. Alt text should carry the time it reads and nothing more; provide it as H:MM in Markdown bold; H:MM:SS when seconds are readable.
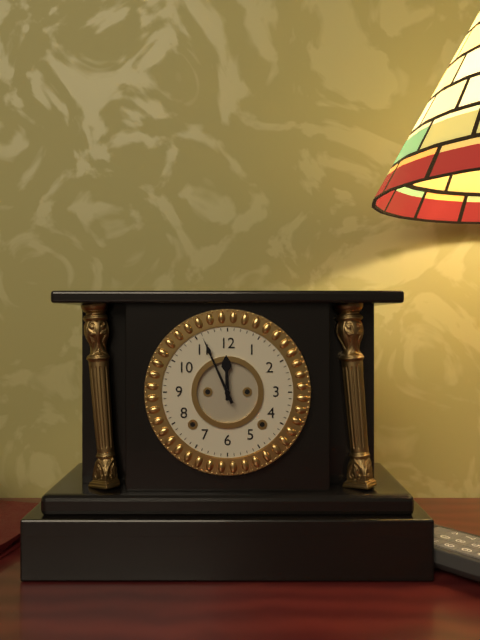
**11:56**
